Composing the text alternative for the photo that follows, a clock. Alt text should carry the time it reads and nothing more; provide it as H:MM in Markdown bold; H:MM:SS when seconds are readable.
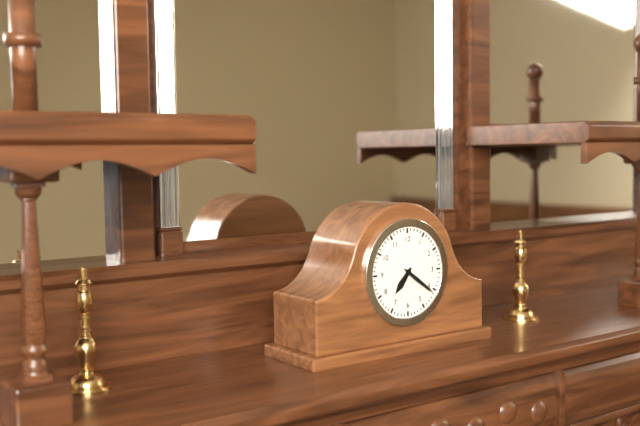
**7:21**
